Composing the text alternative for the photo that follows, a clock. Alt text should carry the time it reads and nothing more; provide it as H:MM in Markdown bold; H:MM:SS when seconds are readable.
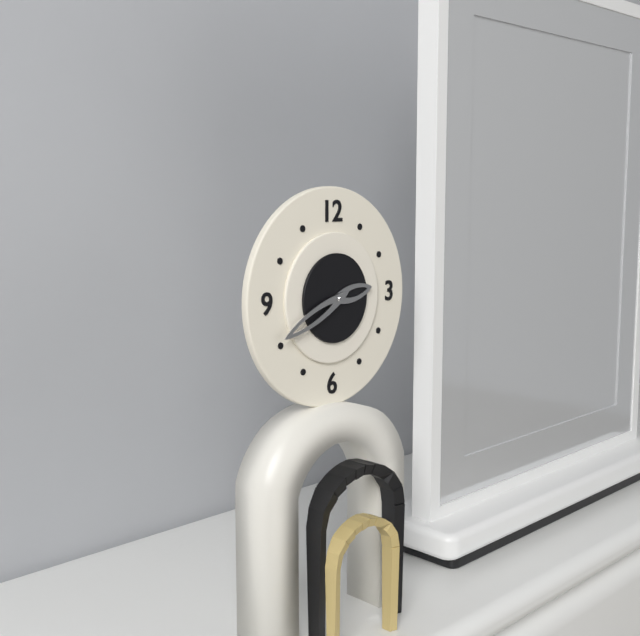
**2:41**
